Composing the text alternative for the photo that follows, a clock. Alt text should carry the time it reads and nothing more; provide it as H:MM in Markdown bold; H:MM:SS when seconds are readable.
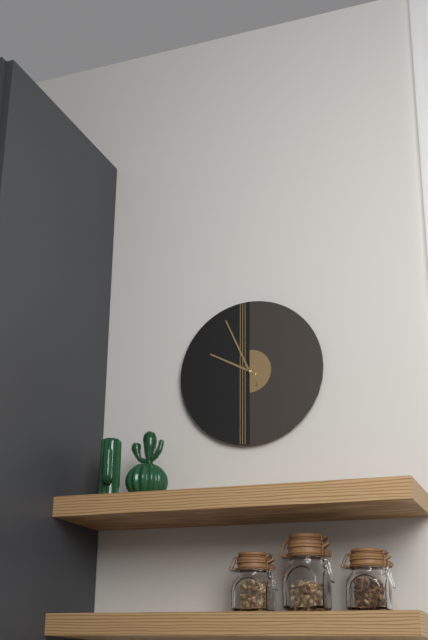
**9:56**
